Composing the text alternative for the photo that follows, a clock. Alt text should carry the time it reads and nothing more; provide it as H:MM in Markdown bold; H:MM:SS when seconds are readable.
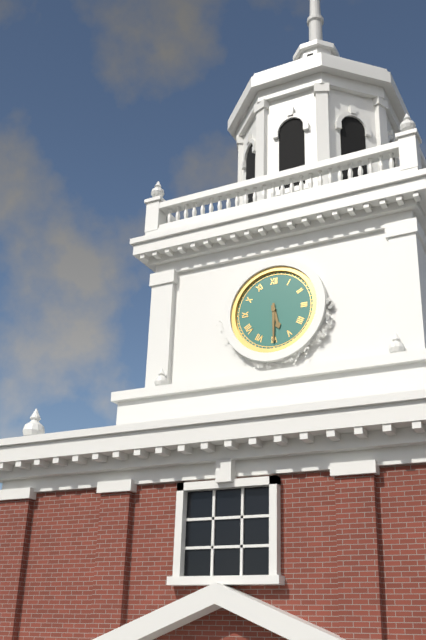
**5:30**
